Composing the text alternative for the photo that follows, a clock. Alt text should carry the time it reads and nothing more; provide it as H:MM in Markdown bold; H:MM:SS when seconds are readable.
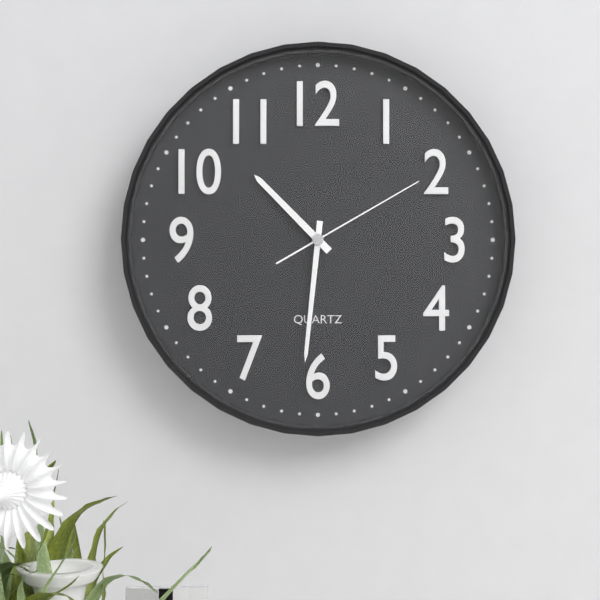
**10:31:10**
